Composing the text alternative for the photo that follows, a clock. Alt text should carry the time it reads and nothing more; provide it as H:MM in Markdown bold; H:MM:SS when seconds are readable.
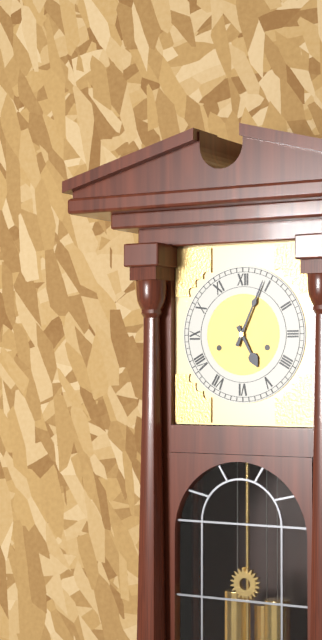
**5:04**
